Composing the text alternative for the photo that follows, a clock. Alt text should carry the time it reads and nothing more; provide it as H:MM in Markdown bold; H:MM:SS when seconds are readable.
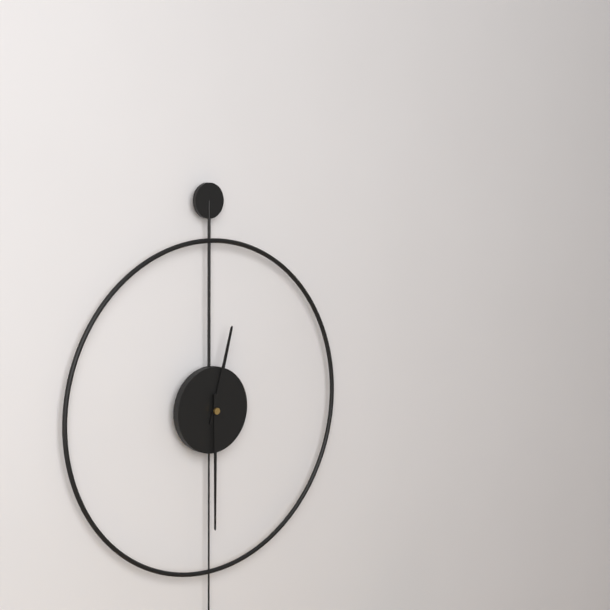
**12:30**
